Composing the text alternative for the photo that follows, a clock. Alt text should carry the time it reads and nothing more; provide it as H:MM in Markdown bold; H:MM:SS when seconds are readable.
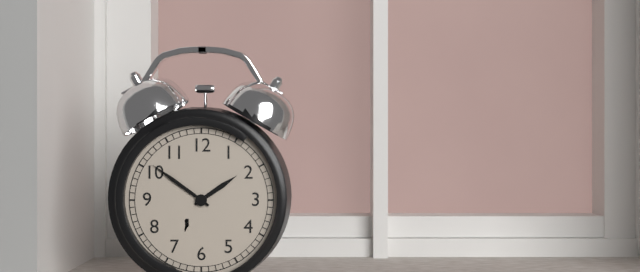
**1:51**
